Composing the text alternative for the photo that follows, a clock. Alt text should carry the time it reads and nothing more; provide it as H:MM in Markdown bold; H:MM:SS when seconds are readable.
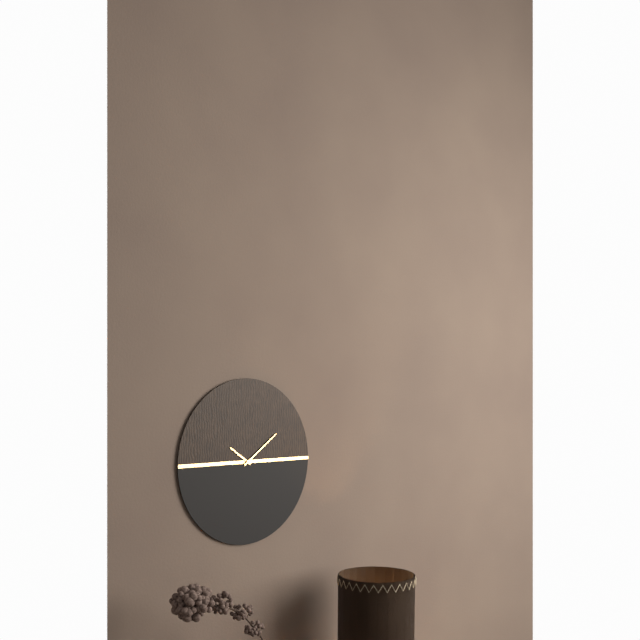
**10:09**
